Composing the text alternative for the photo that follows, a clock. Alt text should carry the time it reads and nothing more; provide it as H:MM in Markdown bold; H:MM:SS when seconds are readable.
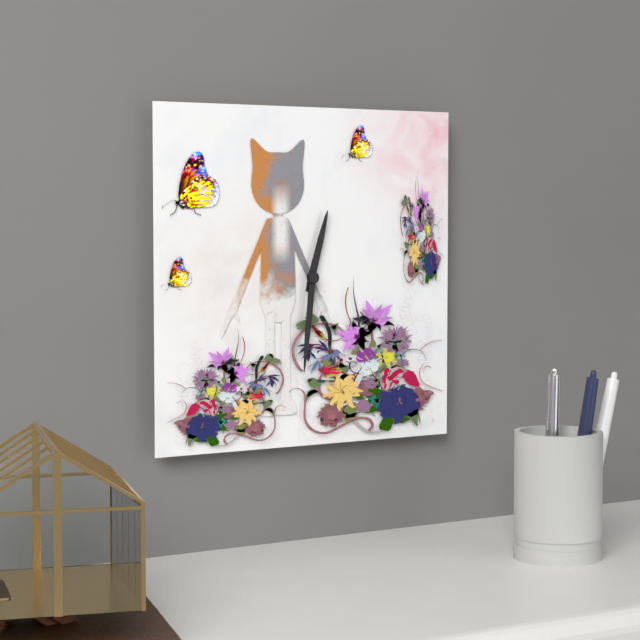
**12:31**
